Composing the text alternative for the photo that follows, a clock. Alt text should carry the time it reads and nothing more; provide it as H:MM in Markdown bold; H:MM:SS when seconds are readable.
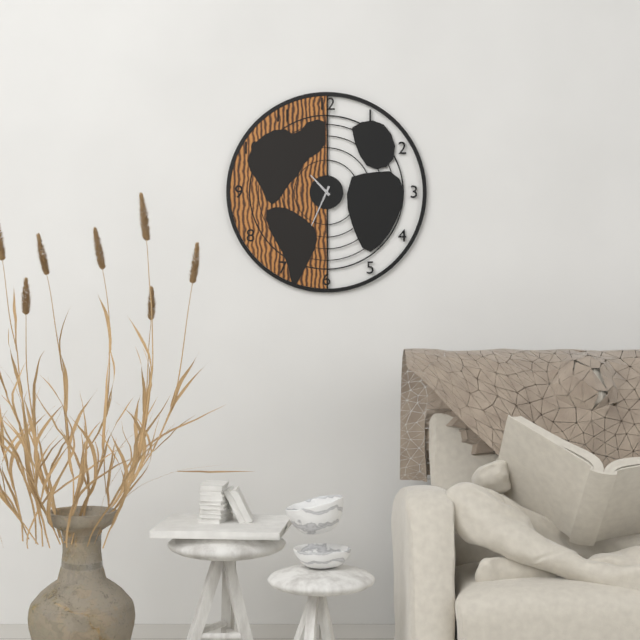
**10:34**
